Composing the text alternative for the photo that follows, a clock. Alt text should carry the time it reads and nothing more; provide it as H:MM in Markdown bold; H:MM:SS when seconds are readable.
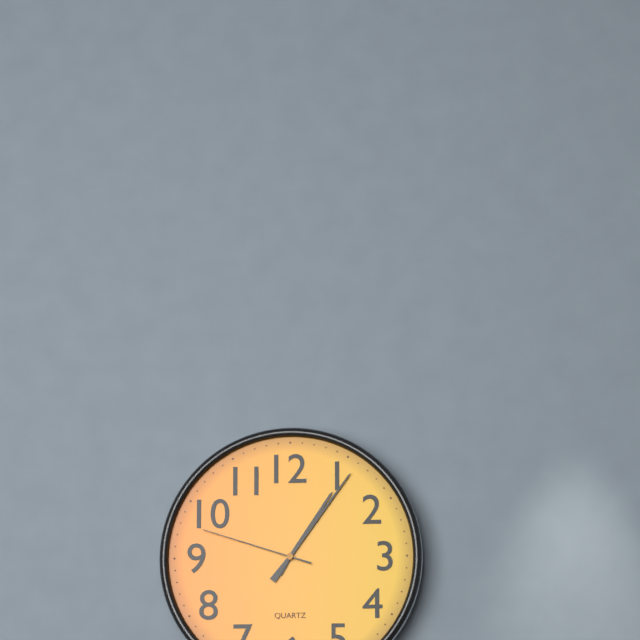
**1:06:48**
